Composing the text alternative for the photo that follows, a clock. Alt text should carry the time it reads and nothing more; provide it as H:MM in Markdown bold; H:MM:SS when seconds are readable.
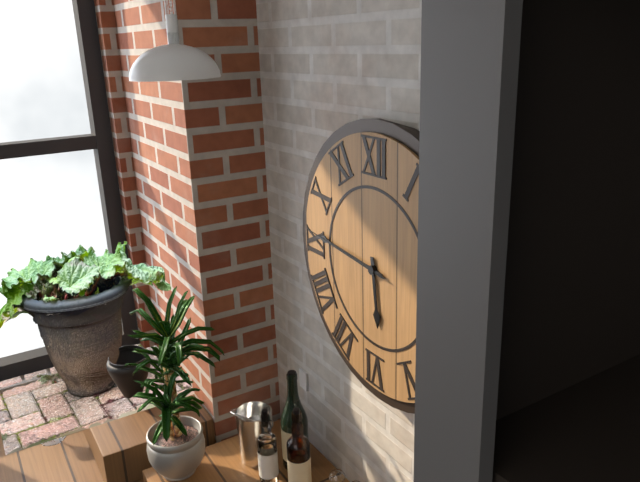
**5:46:46**
